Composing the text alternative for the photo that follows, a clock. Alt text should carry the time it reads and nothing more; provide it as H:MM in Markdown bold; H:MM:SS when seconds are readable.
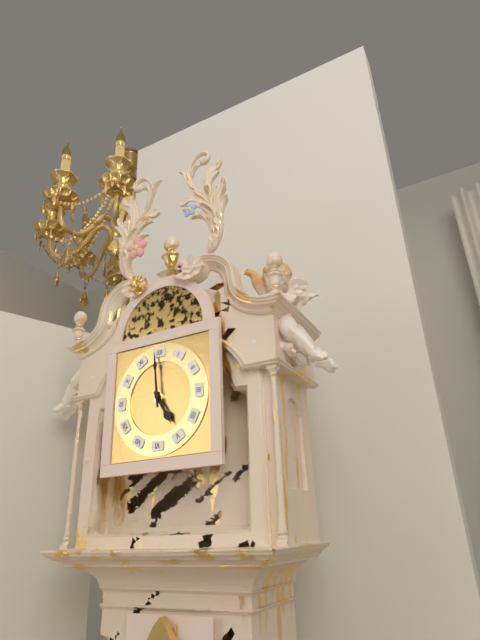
**4:59**
